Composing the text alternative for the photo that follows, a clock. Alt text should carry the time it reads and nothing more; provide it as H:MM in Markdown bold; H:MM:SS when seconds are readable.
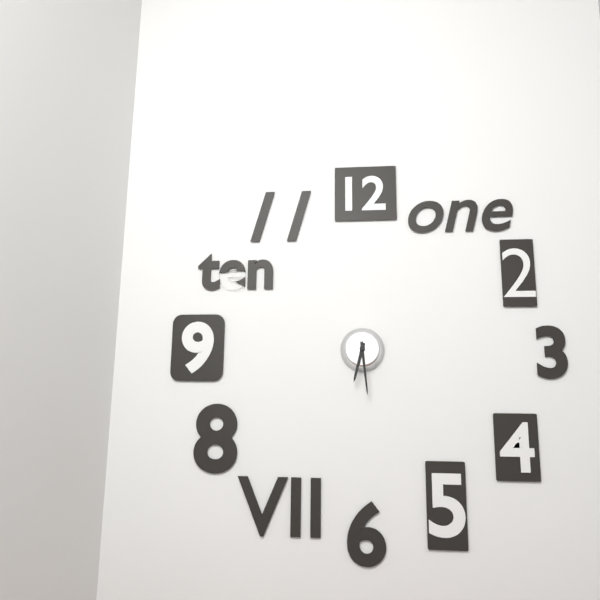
**6:29**
